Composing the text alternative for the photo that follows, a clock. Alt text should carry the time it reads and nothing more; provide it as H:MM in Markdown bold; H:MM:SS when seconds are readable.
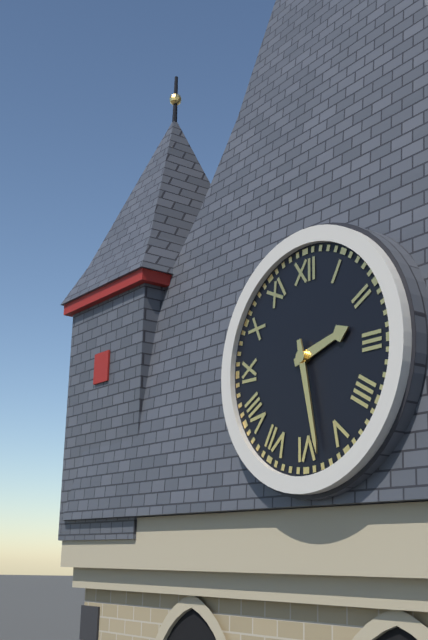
**2:28**
